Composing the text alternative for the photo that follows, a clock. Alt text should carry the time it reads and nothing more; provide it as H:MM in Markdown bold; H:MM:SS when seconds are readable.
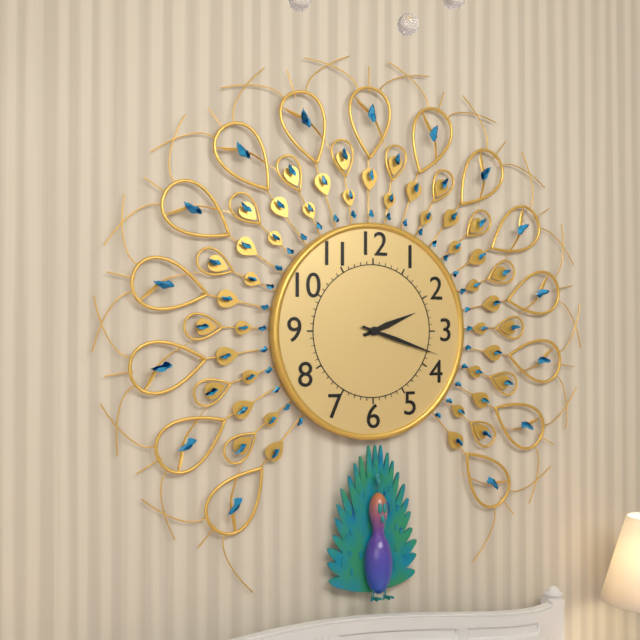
**2:18**
